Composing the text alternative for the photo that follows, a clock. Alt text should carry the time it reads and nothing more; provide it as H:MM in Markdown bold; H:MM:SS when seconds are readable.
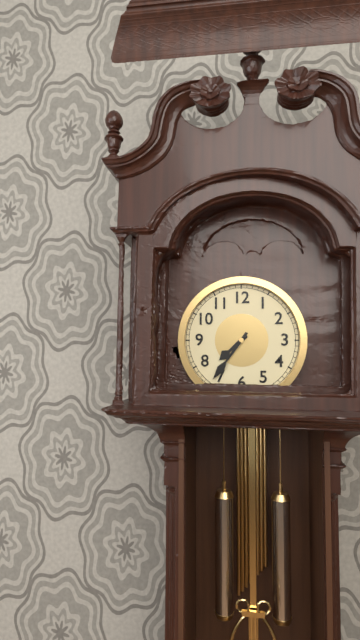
**7:36**
